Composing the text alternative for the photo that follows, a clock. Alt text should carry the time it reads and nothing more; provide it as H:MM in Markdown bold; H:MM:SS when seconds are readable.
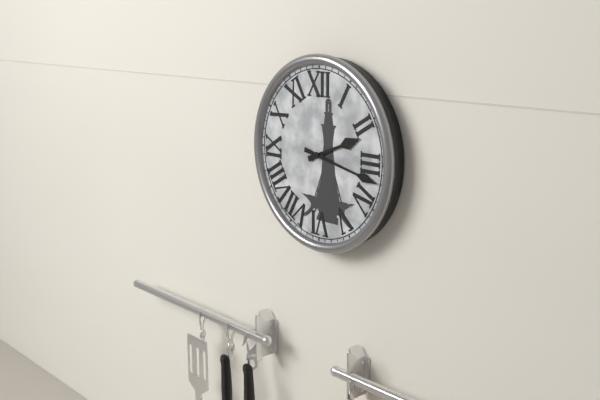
**2:17**
